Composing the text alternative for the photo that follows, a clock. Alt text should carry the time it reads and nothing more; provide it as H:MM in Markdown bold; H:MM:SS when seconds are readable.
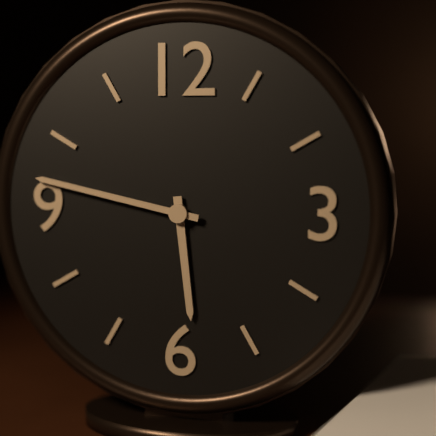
**5:47**
